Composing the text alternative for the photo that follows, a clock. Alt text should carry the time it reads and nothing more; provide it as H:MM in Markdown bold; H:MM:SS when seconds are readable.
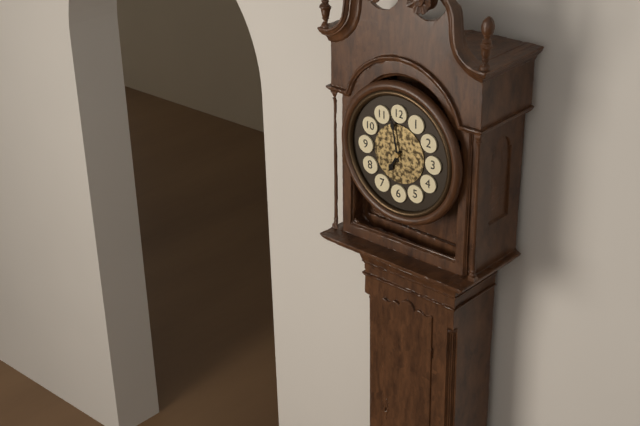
**6:58**
